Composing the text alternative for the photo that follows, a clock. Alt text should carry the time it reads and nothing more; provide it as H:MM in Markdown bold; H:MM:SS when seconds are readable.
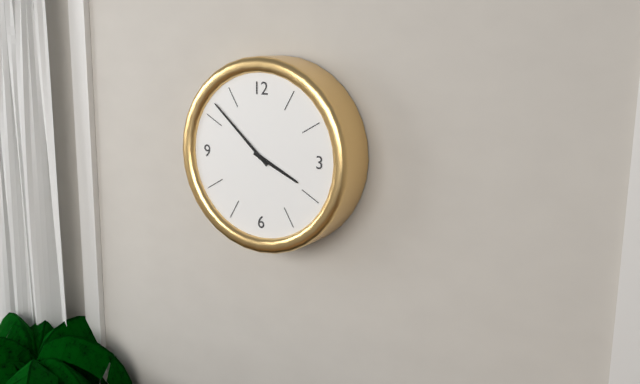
**3:52**
